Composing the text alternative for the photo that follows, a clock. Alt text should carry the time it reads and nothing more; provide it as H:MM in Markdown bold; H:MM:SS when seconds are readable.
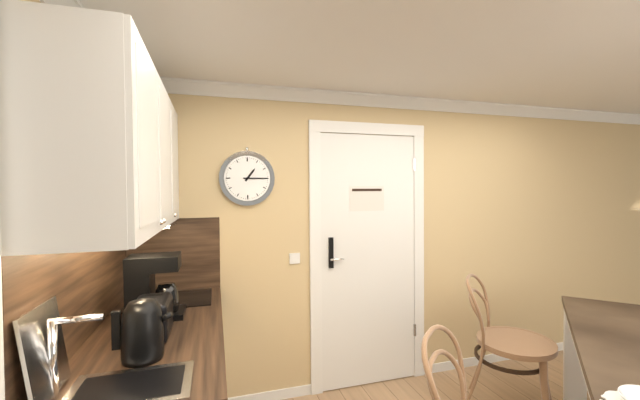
**1:15**
